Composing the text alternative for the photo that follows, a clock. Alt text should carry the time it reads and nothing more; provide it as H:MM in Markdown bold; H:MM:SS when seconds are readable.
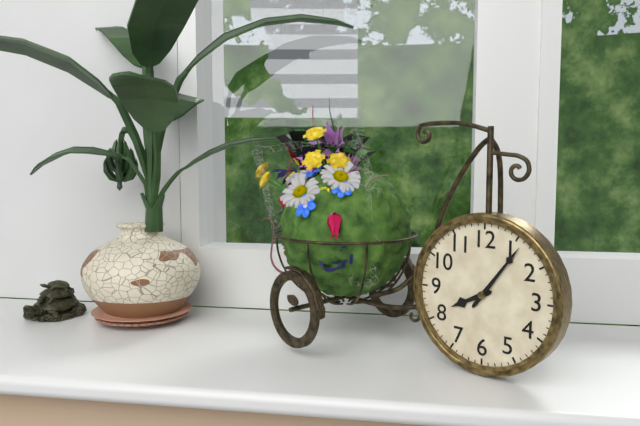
**8:06**
